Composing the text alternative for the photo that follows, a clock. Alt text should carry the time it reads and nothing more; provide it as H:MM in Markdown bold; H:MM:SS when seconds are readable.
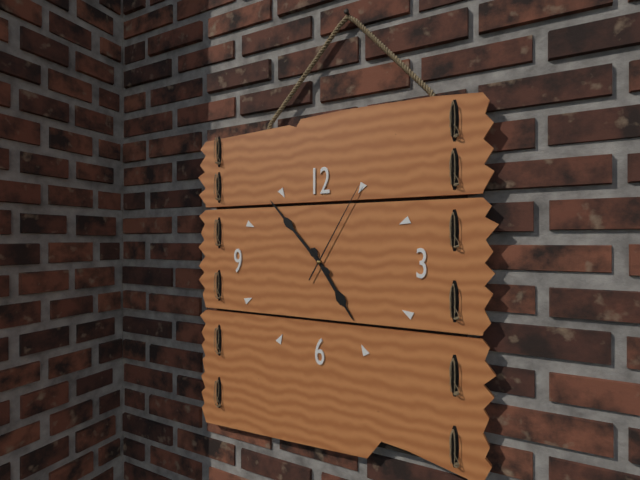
**4:53:05**
